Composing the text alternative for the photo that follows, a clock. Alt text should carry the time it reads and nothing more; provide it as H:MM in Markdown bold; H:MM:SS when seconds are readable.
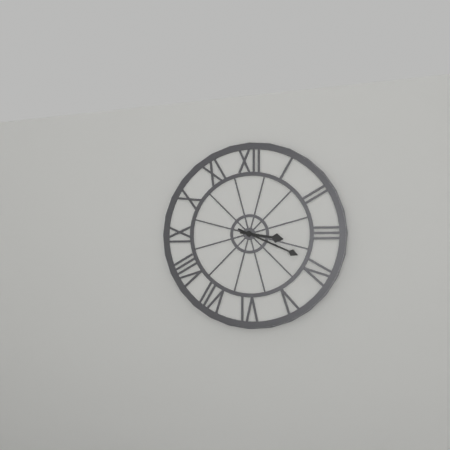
**3:19**
